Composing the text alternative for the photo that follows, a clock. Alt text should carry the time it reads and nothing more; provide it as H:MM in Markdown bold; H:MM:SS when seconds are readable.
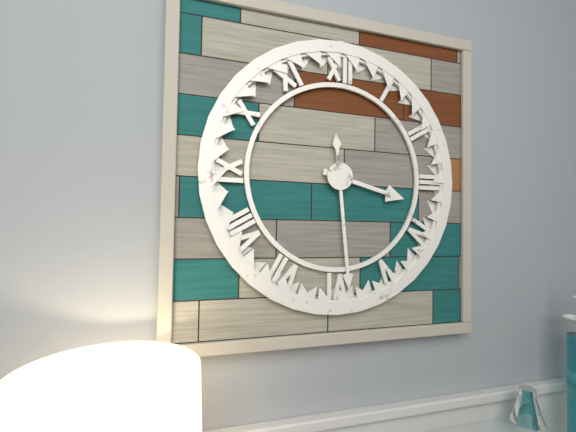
**3:29**
